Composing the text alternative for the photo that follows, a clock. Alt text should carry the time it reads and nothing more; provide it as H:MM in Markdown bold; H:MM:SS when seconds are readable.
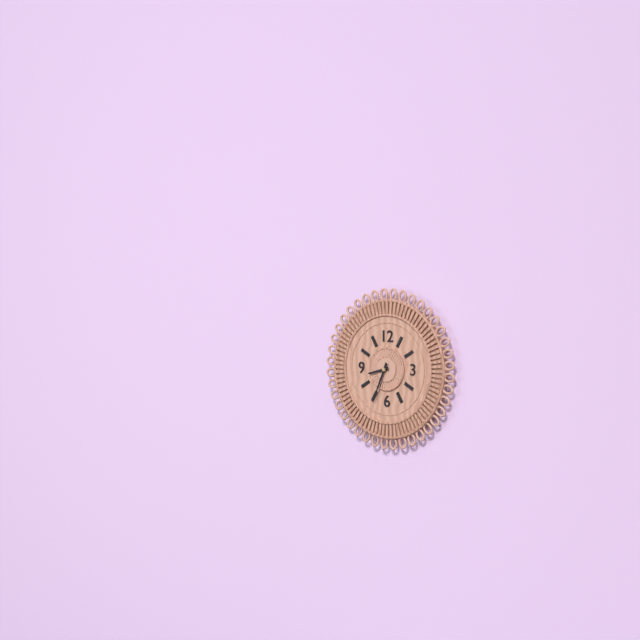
**8:34**
